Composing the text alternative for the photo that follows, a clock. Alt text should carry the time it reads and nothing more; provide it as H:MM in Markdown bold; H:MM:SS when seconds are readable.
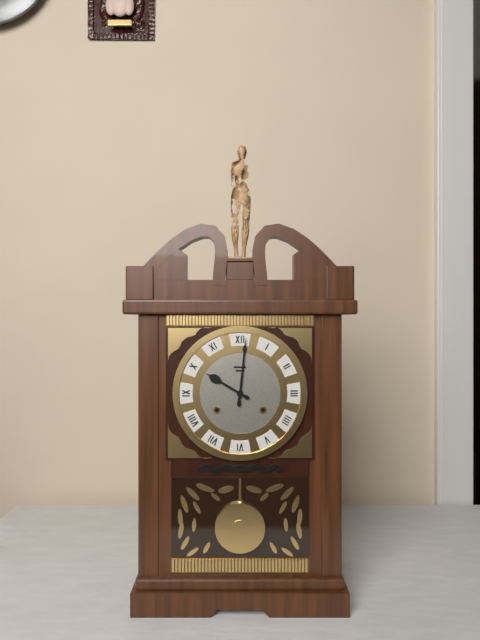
**10:01**
